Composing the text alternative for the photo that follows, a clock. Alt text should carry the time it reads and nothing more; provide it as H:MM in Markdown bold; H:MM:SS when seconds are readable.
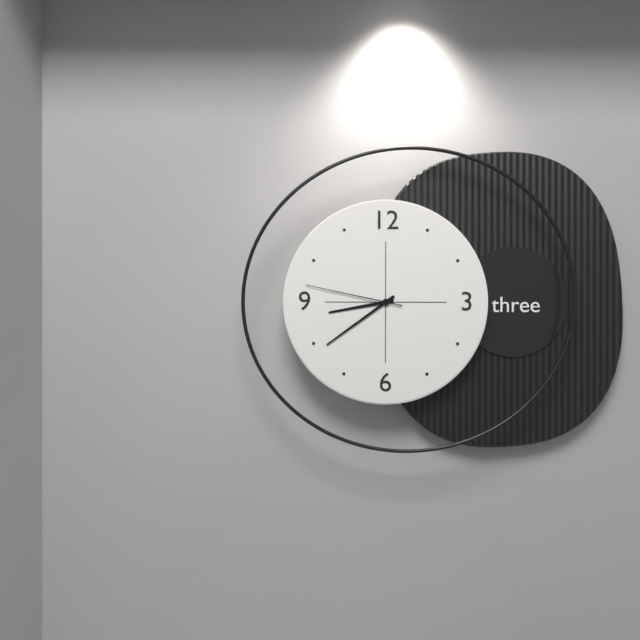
**8:39:47**
